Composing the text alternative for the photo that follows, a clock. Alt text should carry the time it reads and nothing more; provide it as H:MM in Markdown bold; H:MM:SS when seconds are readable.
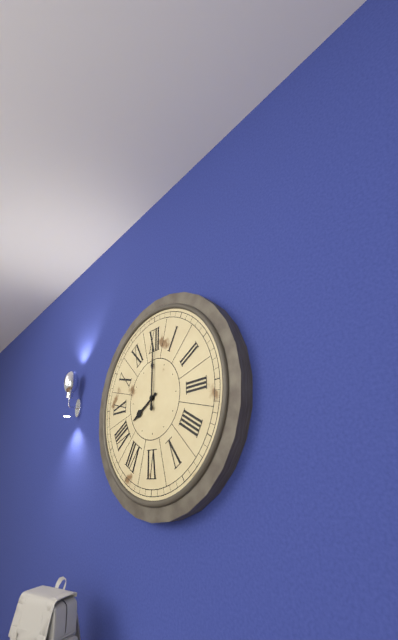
**8:00**
